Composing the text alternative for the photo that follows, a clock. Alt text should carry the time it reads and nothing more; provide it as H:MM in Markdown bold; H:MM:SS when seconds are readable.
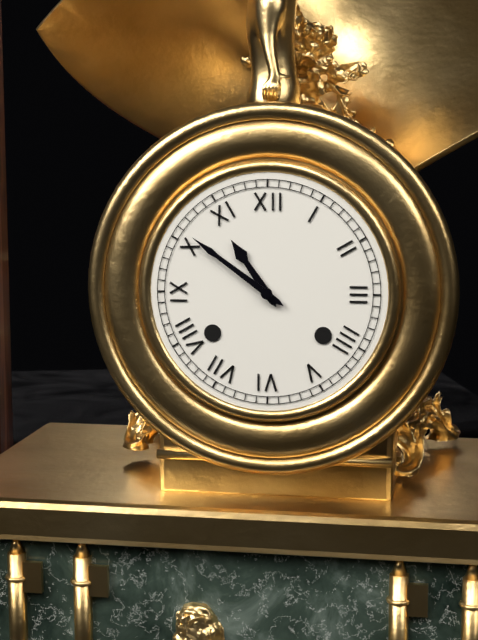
**10:51**
